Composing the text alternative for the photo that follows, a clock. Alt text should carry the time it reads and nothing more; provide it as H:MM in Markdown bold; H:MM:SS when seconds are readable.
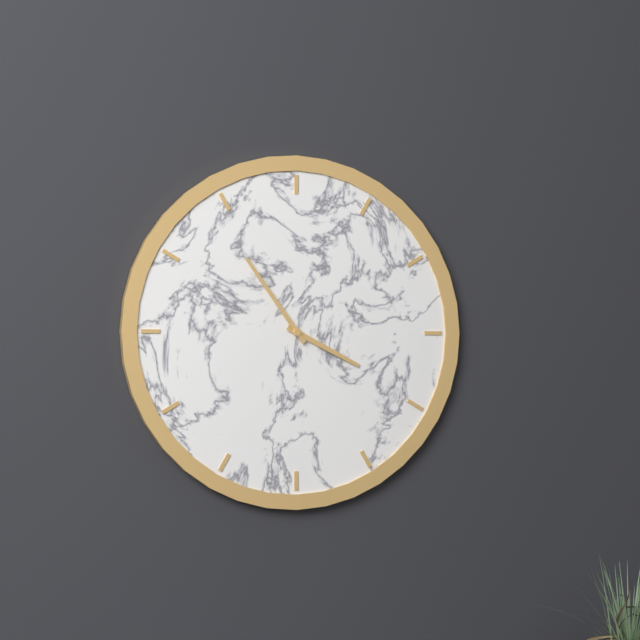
**3:54**
